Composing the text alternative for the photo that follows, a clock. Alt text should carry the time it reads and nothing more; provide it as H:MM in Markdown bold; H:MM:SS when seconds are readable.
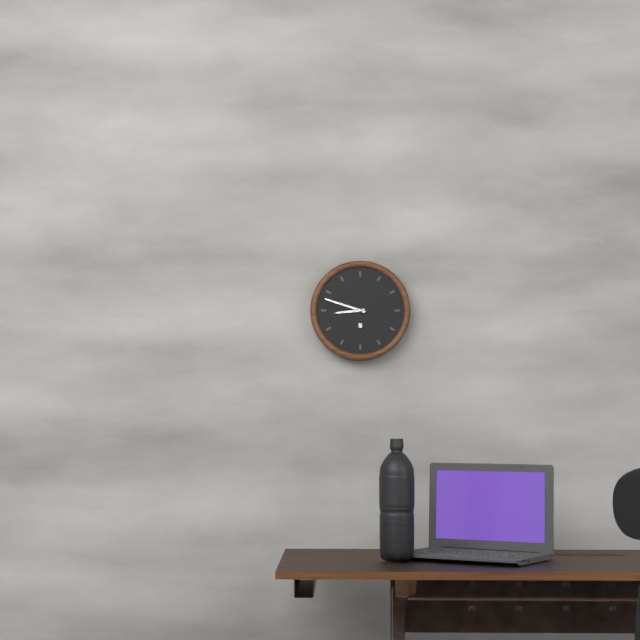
**8:48**
